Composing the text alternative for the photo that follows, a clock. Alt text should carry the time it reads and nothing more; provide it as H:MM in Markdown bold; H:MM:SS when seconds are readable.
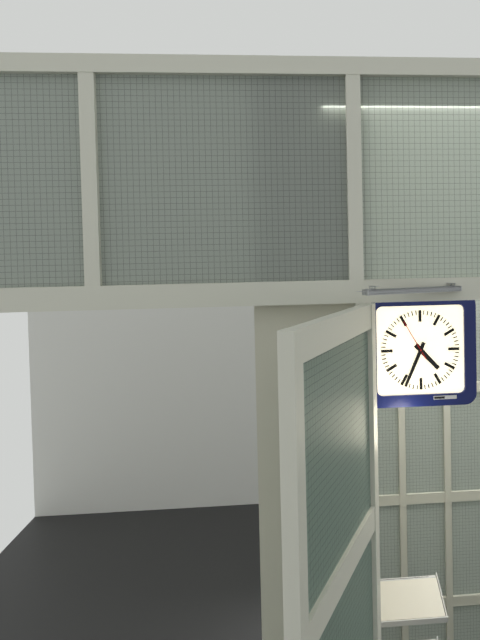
**4:34**
